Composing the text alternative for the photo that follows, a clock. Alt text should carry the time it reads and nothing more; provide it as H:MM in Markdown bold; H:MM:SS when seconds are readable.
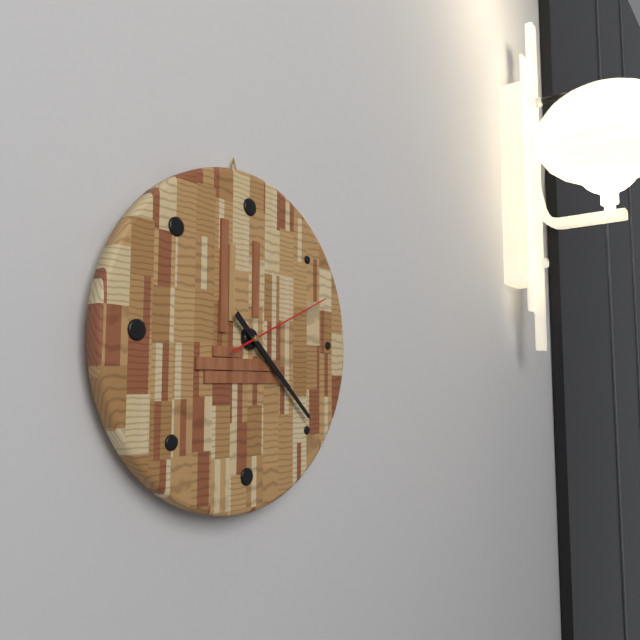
**4:22:11**
